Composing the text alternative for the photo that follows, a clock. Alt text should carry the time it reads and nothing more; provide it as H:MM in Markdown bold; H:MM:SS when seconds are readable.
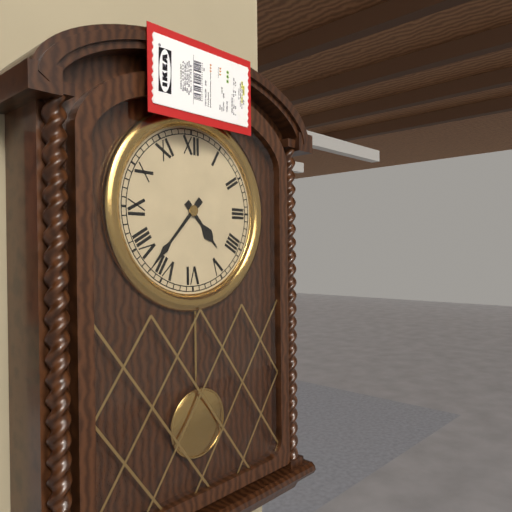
**4:37**
